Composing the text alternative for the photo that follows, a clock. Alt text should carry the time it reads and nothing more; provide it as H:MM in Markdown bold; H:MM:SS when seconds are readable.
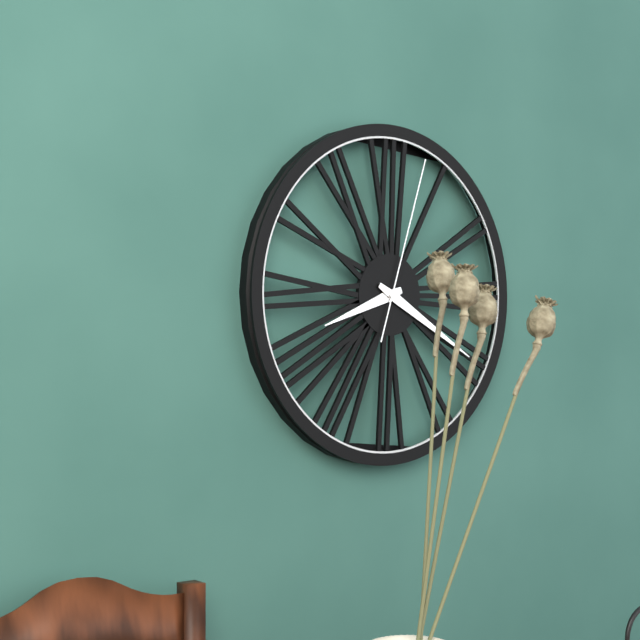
**8:20:03**
